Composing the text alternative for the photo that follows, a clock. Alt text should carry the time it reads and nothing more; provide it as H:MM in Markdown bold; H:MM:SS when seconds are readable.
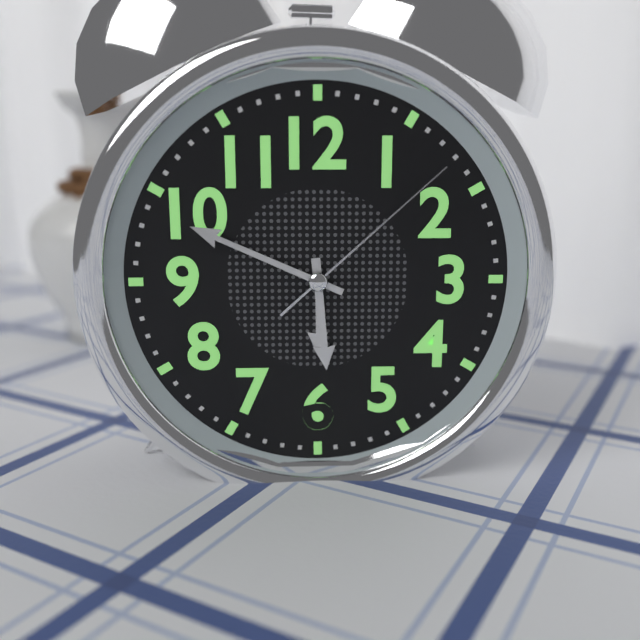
**5:49:08**
